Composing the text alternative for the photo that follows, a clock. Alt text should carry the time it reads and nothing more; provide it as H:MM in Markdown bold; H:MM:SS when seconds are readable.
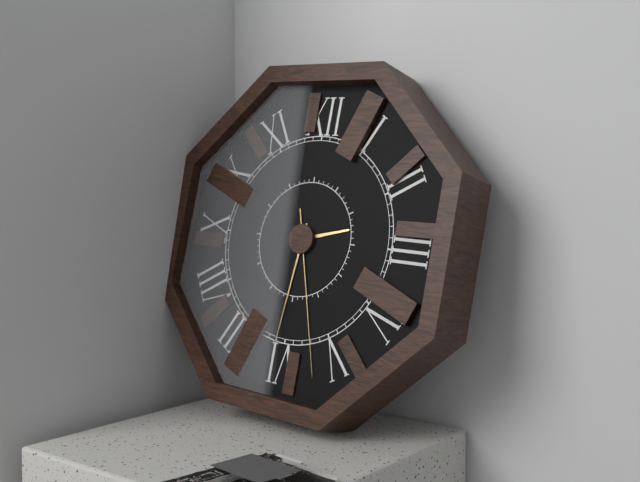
**2:31:27**
